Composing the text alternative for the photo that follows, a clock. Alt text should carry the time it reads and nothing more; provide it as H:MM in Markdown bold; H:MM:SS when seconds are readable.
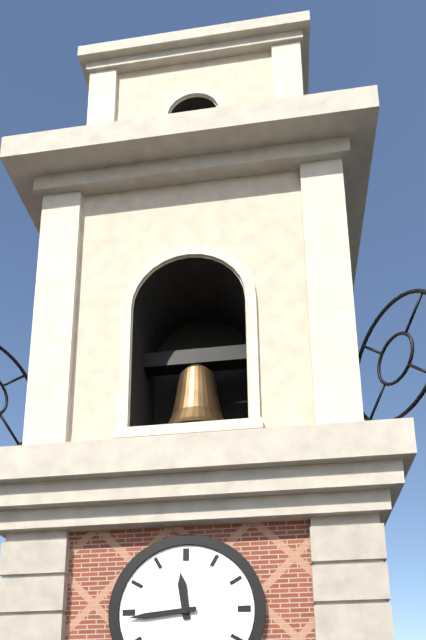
**11:44**
